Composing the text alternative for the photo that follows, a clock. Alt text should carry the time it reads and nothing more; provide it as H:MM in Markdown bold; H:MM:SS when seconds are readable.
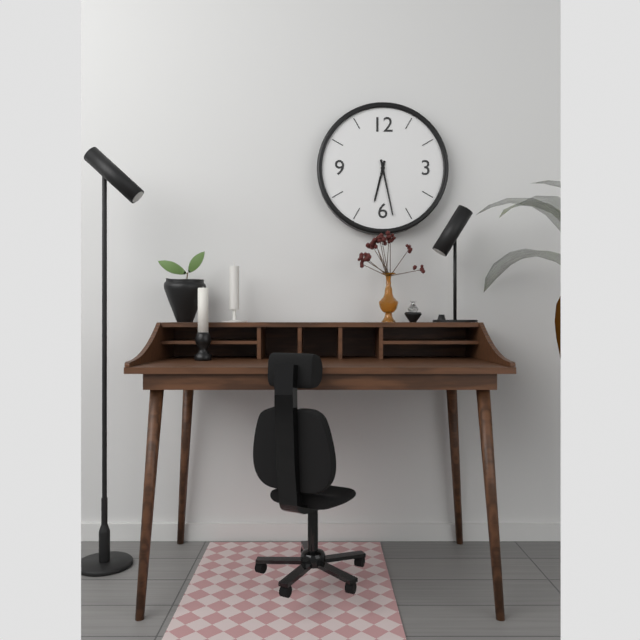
**6:28**
